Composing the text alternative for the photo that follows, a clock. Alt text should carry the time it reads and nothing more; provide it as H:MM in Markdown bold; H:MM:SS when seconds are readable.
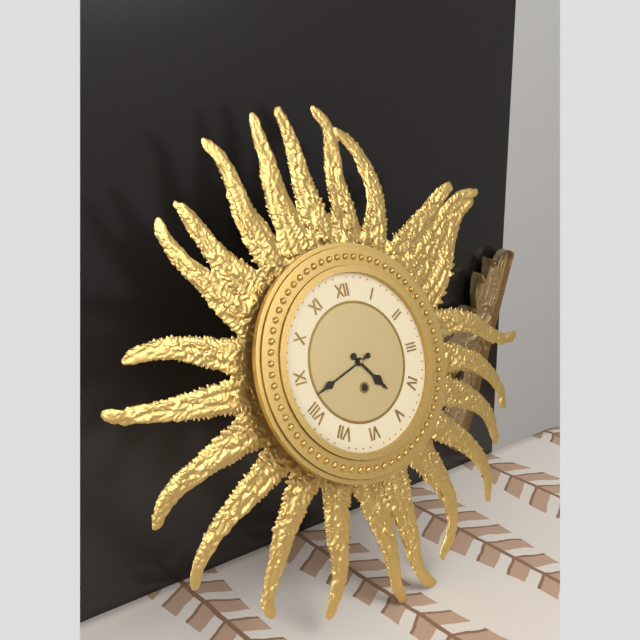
**4:42**
